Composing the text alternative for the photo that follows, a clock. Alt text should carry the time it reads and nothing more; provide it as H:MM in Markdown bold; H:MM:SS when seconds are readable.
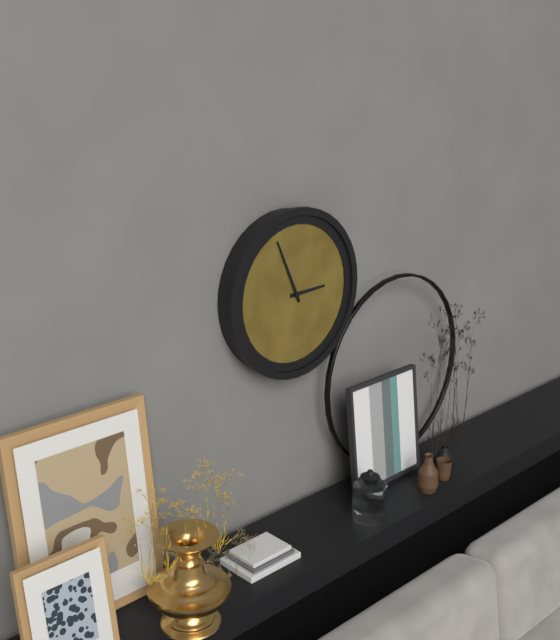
**2:56**
